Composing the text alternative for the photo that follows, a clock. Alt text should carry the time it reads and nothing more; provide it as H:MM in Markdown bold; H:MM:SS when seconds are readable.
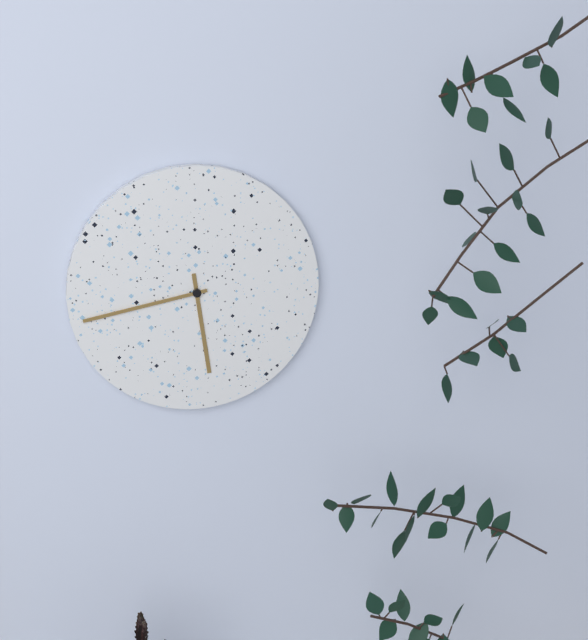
**5:43**
